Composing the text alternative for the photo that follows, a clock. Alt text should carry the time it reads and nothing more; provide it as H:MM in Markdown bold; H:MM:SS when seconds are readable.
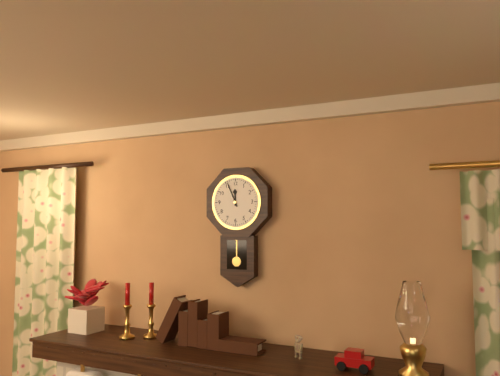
**11:56**
